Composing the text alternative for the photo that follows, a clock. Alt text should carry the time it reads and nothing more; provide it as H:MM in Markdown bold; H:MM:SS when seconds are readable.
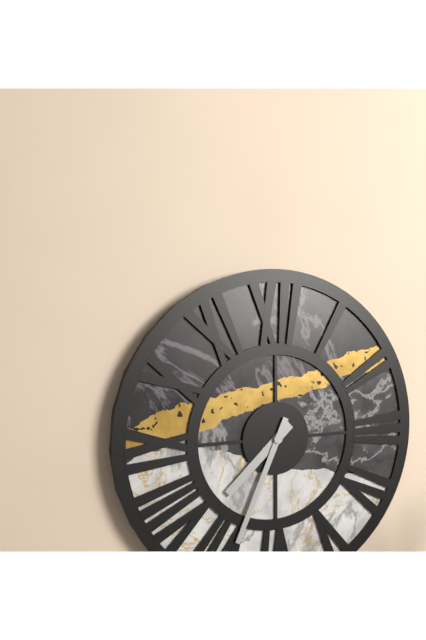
**7:34**
